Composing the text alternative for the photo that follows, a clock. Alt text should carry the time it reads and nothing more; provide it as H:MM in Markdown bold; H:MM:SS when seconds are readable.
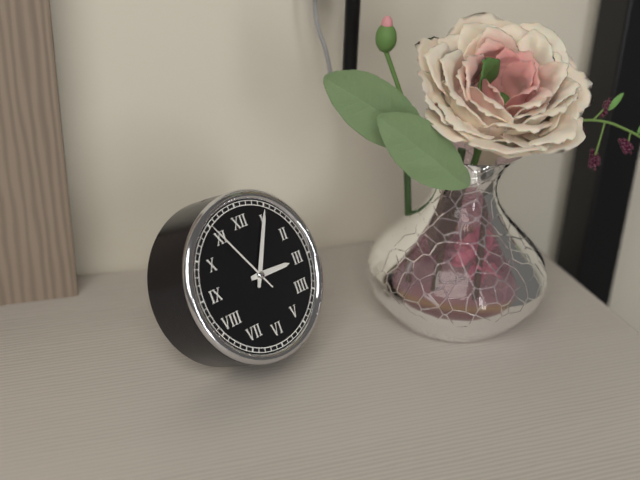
**3:05:55**
